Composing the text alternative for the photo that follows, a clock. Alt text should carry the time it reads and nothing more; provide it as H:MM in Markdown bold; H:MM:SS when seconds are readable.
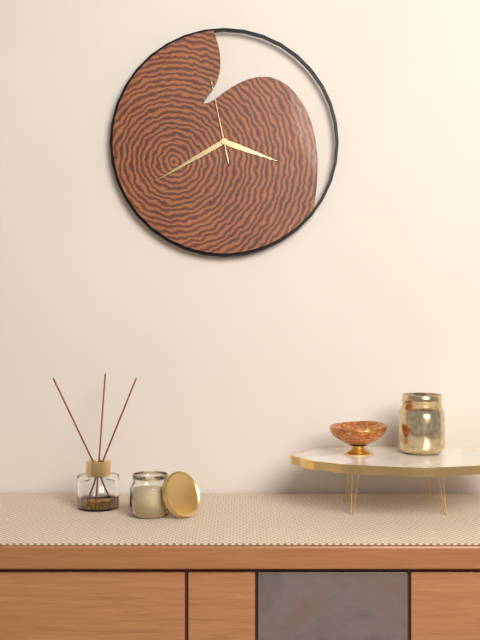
**3:40:58**
